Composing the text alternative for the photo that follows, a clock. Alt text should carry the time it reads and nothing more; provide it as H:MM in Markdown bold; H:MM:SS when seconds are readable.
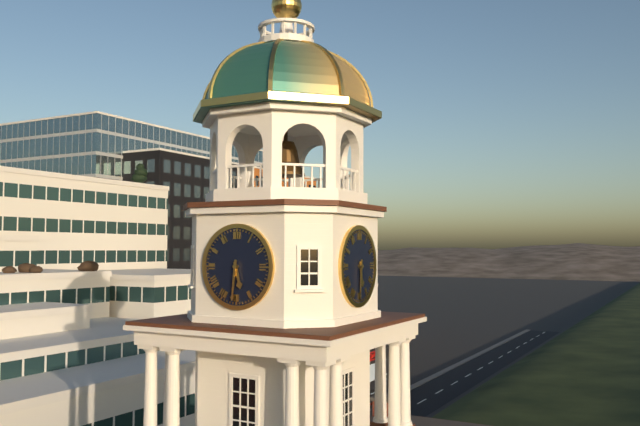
**5:31**
